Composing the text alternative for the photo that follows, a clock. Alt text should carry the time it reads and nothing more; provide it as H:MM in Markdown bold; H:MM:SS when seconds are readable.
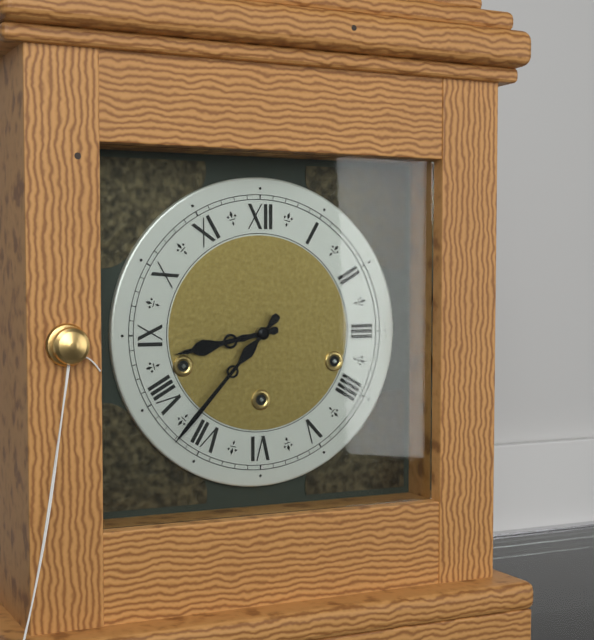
**8:37**
